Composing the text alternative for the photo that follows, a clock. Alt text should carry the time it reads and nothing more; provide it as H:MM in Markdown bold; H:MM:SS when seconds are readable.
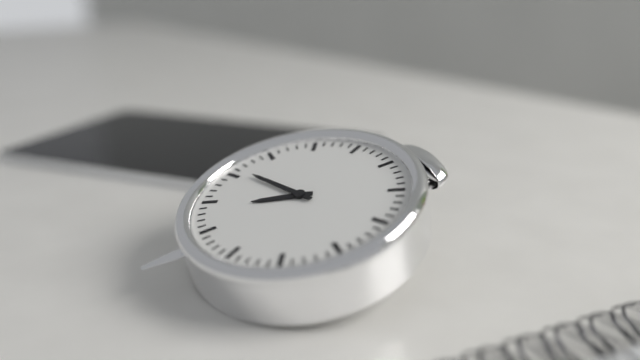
**7:46**
